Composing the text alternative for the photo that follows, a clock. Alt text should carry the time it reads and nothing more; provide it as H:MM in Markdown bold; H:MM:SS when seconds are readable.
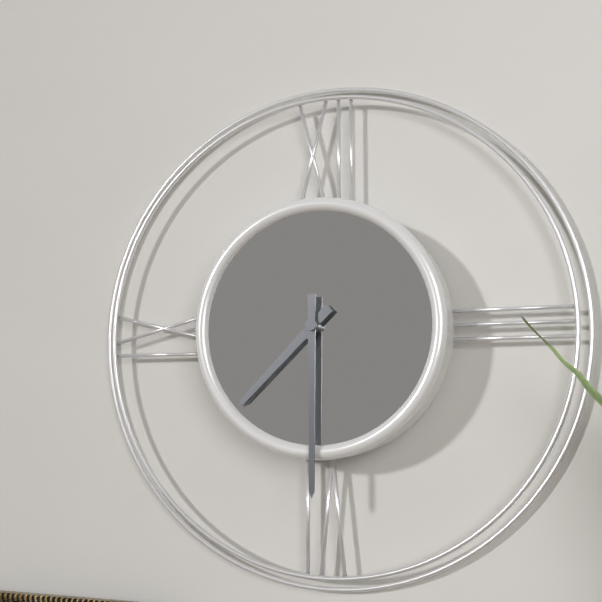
**7:30**
